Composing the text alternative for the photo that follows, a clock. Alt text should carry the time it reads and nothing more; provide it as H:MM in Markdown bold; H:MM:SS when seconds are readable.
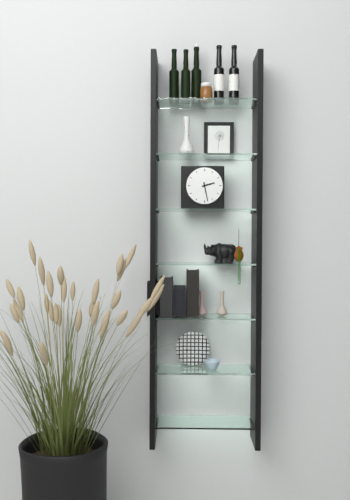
**2:28**
